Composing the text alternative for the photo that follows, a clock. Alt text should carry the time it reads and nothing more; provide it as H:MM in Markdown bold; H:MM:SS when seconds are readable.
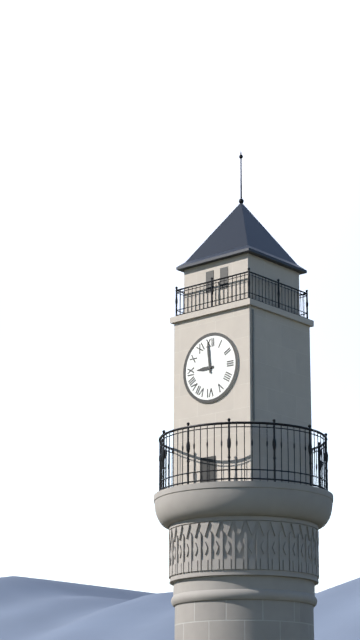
**8:59**
